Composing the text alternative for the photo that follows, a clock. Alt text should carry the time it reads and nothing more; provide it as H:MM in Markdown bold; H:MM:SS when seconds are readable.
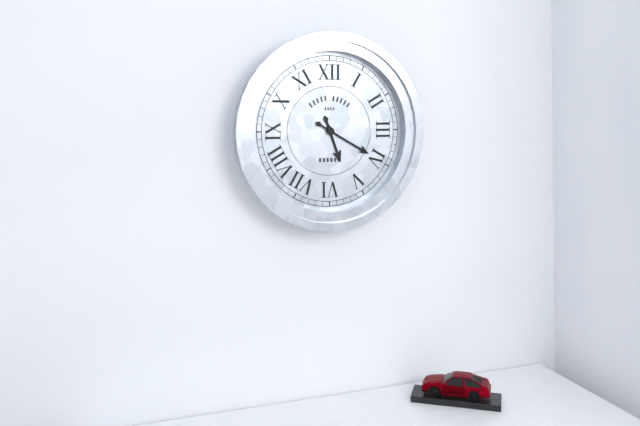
**5:20**
